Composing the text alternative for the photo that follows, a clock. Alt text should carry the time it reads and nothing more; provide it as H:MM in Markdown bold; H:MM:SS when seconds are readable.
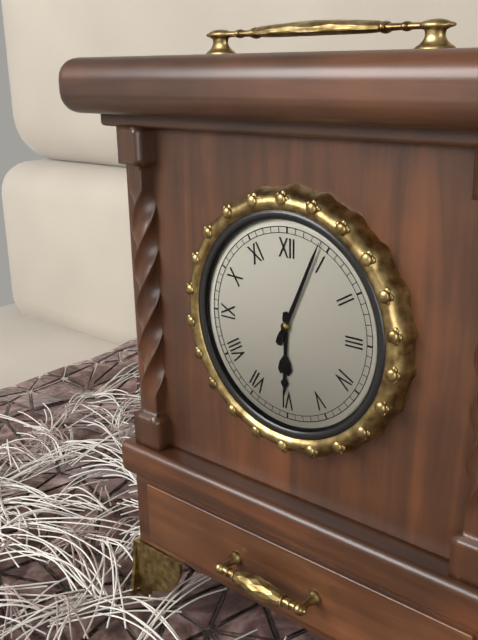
**6:04**
